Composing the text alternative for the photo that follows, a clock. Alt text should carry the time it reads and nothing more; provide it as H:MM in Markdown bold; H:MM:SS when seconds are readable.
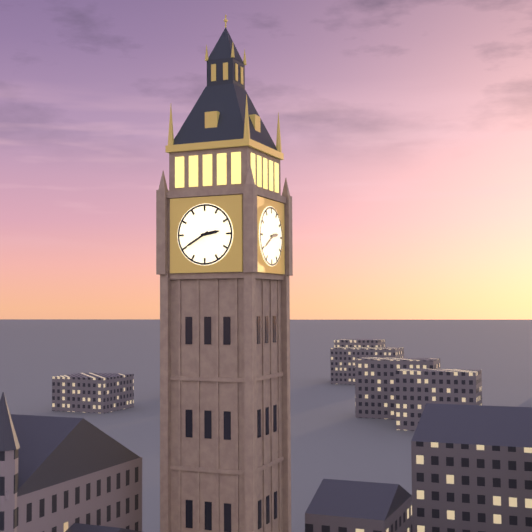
**2:40**
